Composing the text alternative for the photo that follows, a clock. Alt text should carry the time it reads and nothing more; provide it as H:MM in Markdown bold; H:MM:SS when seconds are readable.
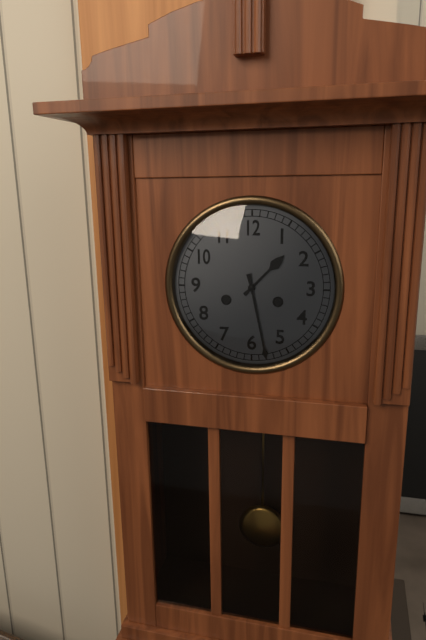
**1:28**
